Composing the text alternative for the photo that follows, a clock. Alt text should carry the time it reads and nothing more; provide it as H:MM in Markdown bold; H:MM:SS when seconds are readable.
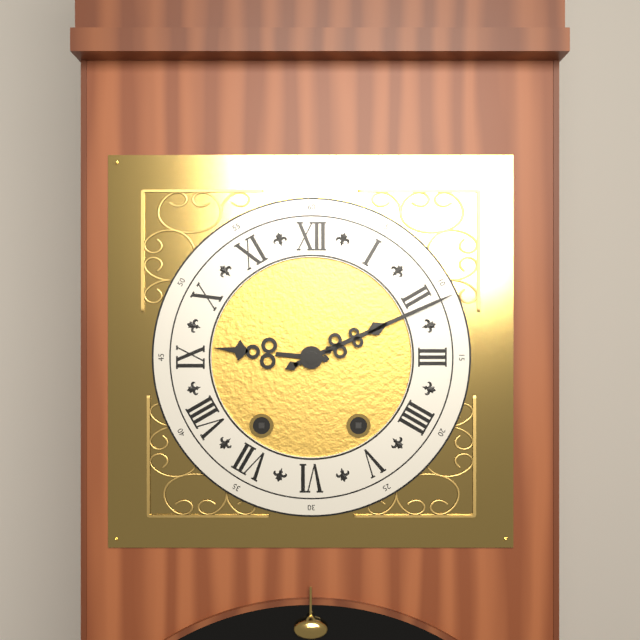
**9:11**
